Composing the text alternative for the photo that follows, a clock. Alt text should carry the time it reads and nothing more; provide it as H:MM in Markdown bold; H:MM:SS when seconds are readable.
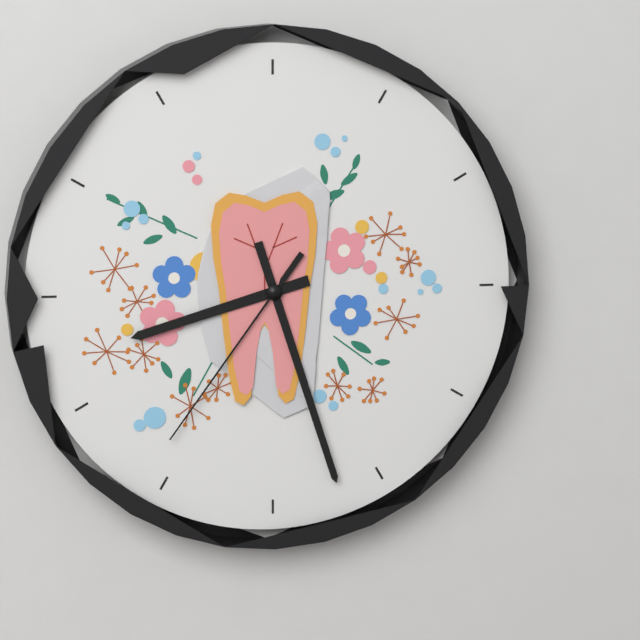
**8:27:36**
